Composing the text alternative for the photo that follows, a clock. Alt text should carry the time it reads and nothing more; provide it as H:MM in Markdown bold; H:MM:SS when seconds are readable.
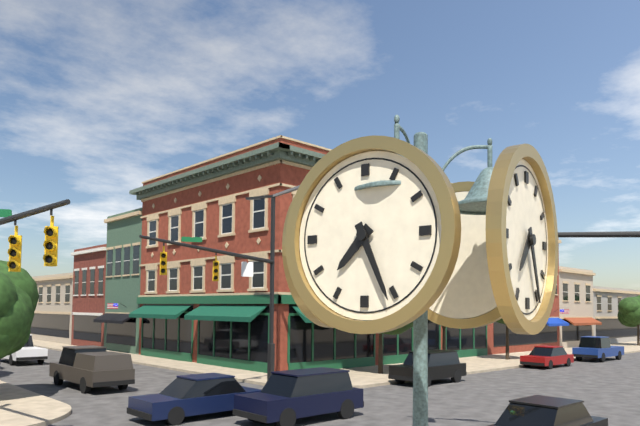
**7:26**
